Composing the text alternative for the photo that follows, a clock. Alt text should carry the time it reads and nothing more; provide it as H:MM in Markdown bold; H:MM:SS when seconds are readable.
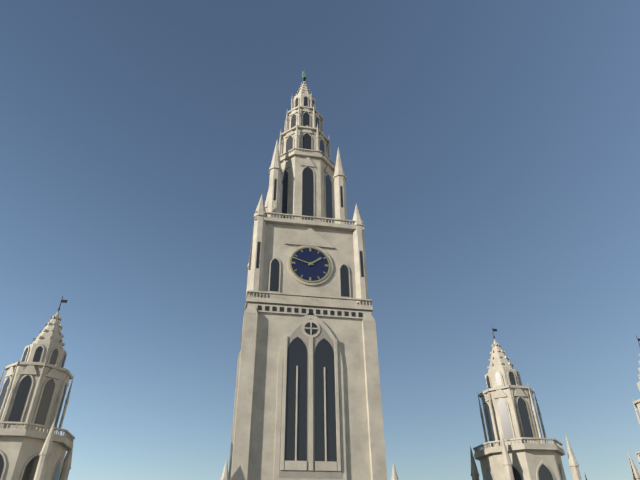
**1:48**
